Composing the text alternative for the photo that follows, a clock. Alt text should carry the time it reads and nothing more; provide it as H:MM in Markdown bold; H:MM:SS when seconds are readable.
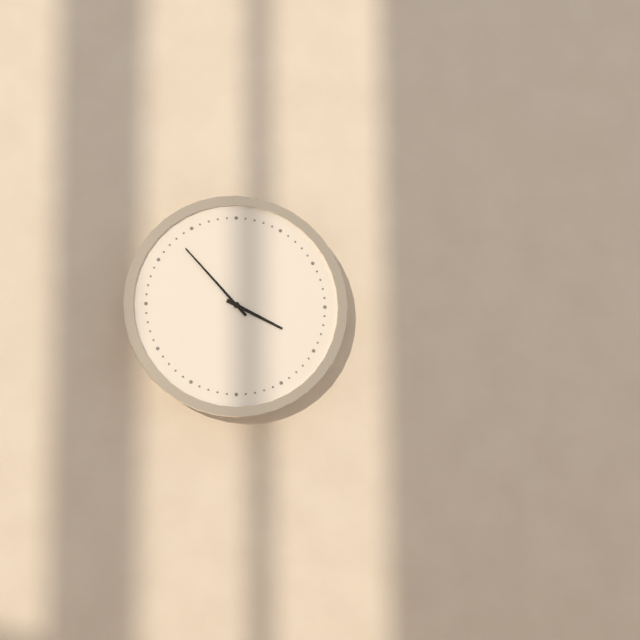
**3:53**
